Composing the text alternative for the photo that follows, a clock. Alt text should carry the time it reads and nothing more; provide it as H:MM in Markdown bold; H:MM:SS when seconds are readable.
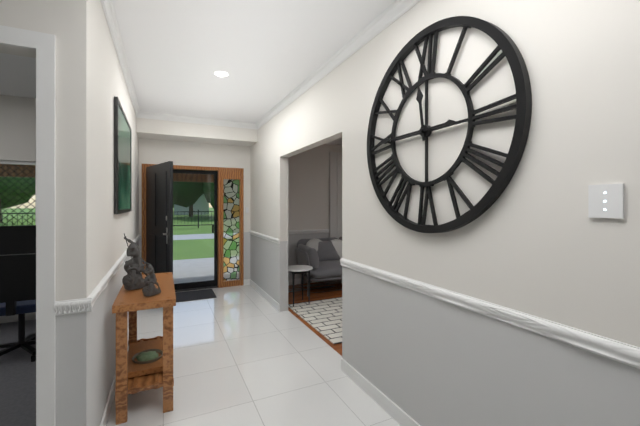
**11:45**
